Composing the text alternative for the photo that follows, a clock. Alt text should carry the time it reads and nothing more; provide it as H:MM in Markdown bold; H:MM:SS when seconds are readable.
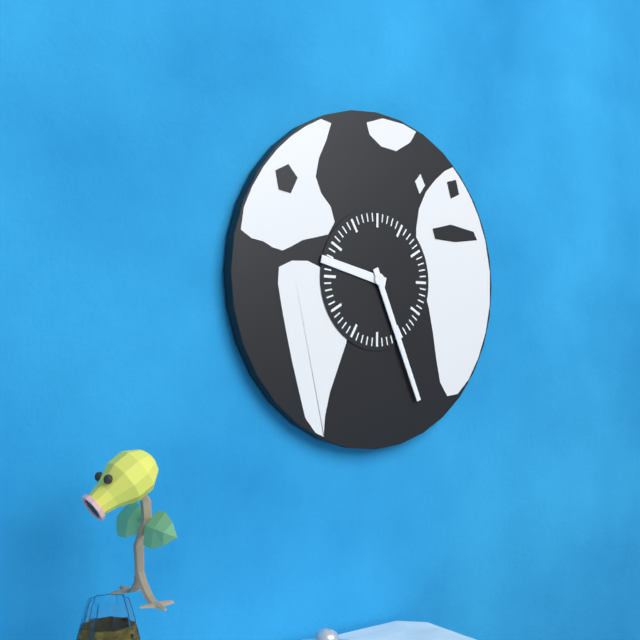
**9:26**
